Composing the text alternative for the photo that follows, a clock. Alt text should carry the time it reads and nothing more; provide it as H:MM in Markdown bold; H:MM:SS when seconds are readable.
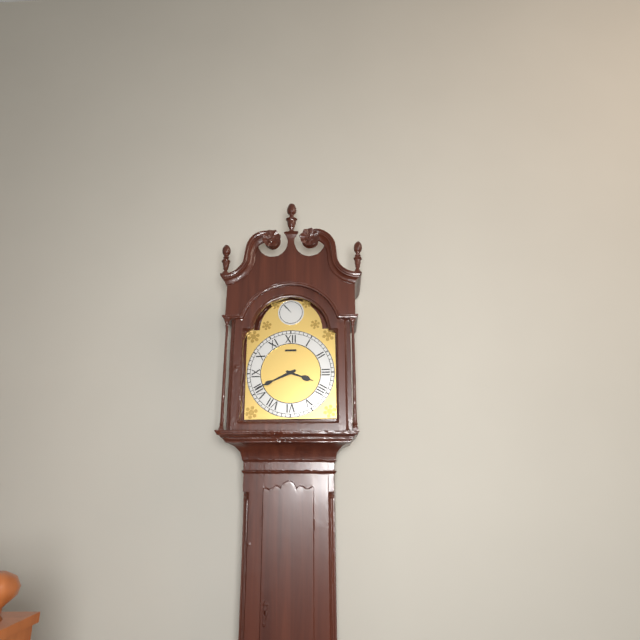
**3:41**
